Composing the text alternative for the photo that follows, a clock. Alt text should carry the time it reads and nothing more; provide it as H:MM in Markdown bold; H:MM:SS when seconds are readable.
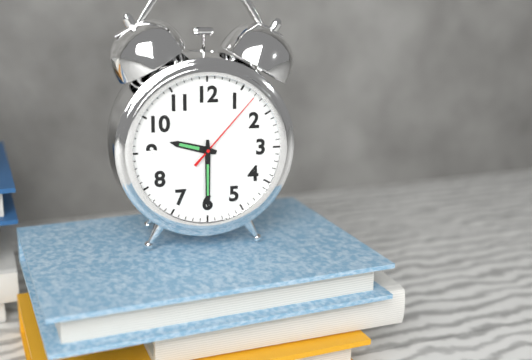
**9:30:07**
